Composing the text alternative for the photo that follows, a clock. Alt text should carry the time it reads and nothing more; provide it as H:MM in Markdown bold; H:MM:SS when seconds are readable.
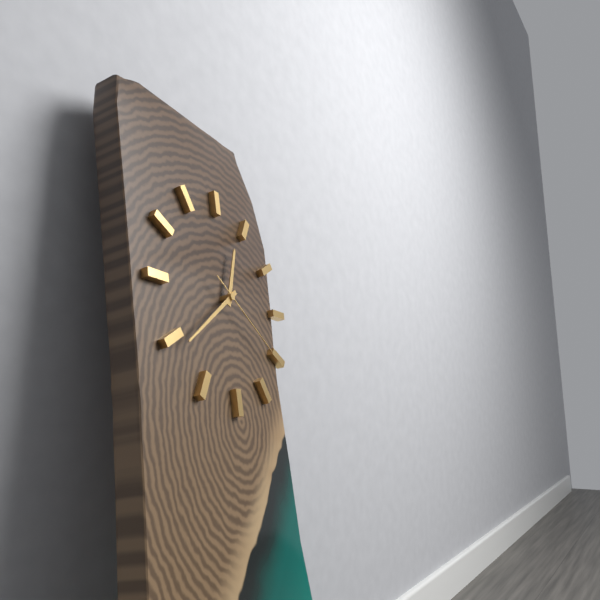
**12:39:21**
